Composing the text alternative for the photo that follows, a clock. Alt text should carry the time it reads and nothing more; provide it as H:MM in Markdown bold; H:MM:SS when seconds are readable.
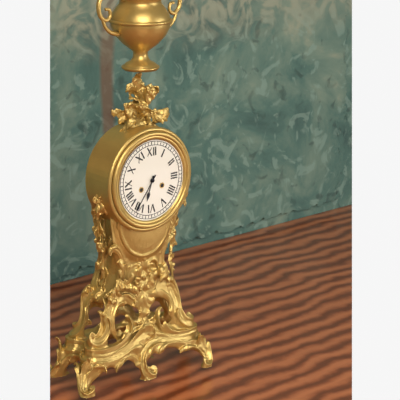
**6:36**
